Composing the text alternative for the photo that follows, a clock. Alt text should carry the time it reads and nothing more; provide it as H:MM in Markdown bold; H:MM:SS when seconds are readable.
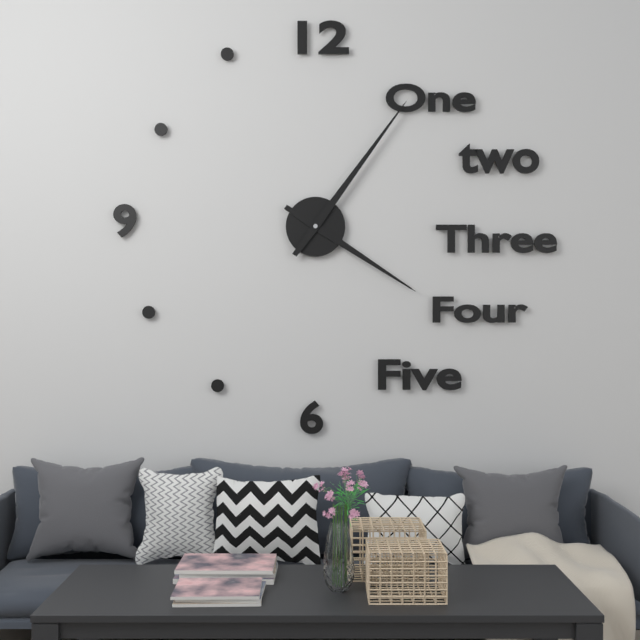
**4:06**
